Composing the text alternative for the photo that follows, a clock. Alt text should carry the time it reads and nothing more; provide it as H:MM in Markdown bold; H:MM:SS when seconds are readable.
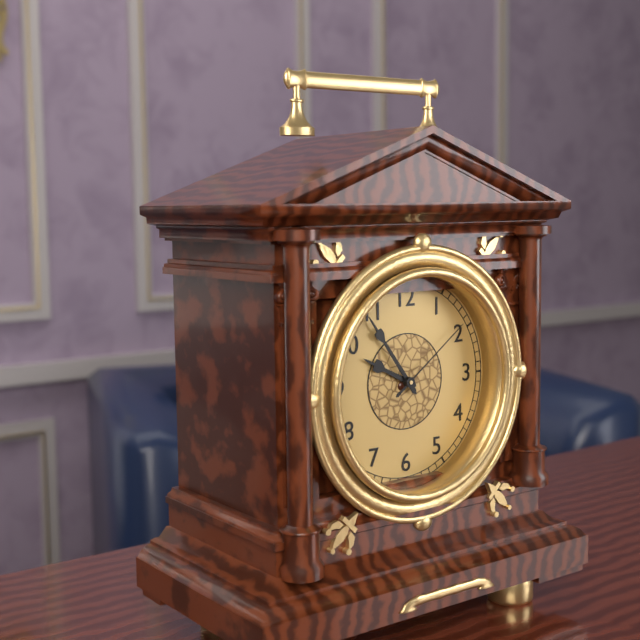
**9:54:09**
